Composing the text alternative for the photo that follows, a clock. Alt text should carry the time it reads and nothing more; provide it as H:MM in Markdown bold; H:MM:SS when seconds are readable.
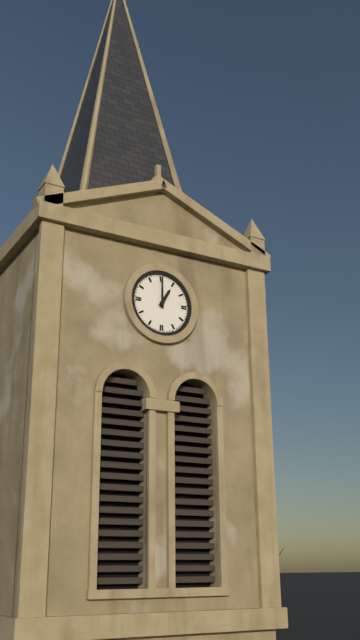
**1:00**
